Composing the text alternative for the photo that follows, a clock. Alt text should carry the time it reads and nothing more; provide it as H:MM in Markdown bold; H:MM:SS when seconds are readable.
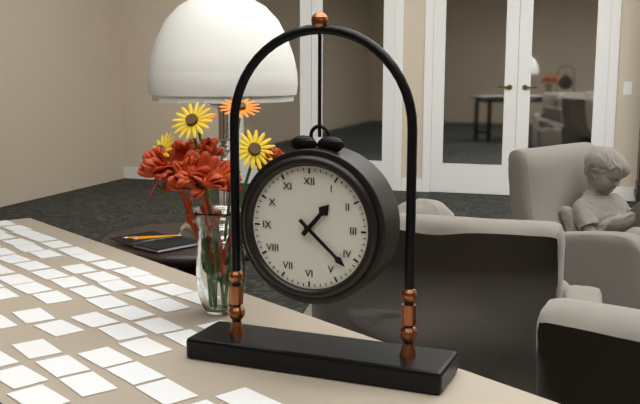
**1:22**
